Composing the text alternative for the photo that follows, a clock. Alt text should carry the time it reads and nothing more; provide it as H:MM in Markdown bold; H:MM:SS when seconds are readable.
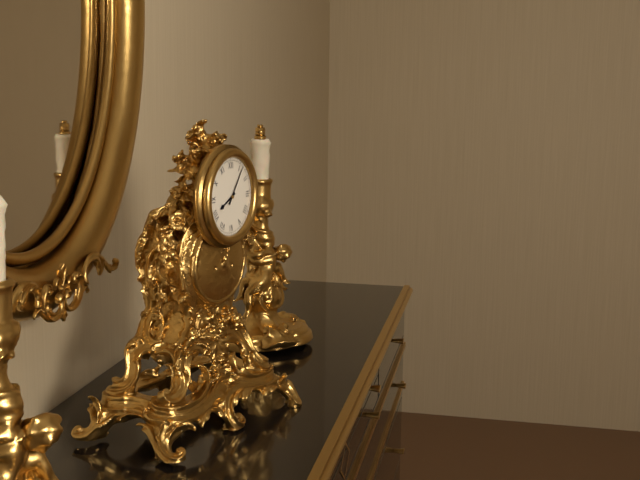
**8:06**
